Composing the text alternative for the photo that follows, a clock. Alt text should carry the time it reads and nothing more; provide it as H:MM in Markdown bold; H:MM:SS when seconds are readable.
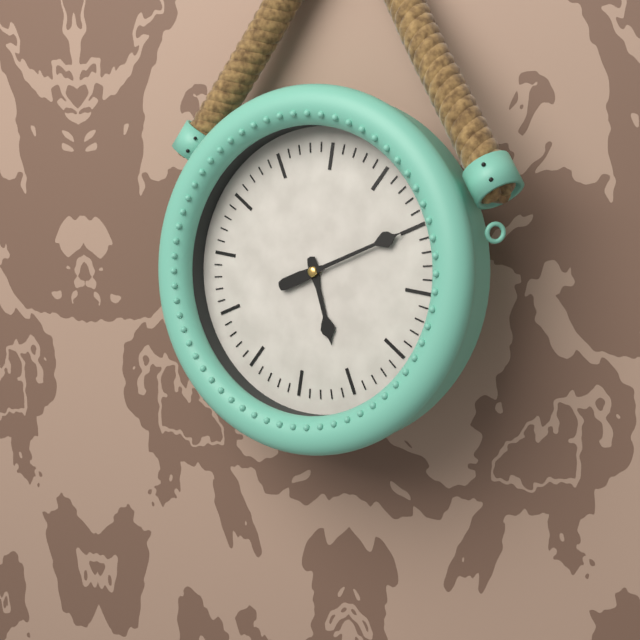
**5:10**
